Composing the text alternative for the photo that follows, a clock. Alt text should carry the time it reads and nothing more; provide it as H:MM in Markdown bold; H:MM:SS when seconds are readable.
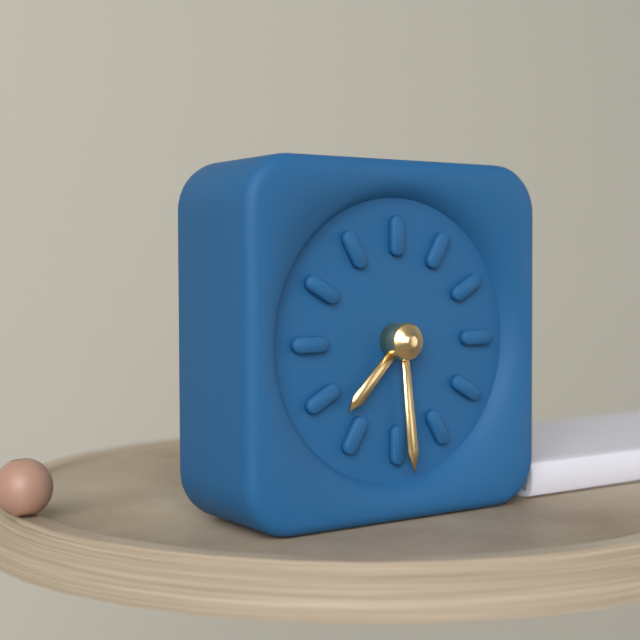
**7:29**
